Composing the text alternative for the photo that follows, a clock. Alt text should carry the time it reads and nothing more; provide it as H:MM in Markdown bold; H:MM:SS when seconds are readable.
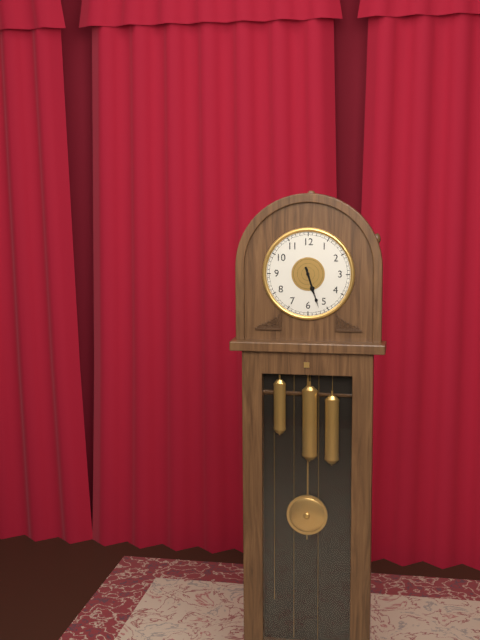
**5:27**
